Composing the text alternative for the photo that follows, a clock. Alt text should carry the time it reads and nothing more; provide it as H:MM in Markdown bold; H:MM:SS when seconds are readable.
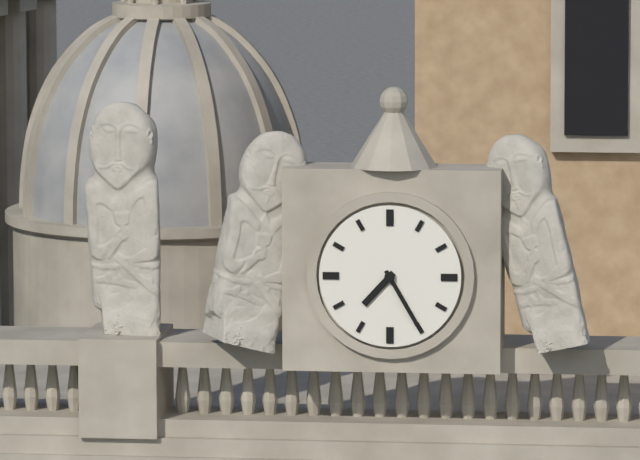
**7:25**
